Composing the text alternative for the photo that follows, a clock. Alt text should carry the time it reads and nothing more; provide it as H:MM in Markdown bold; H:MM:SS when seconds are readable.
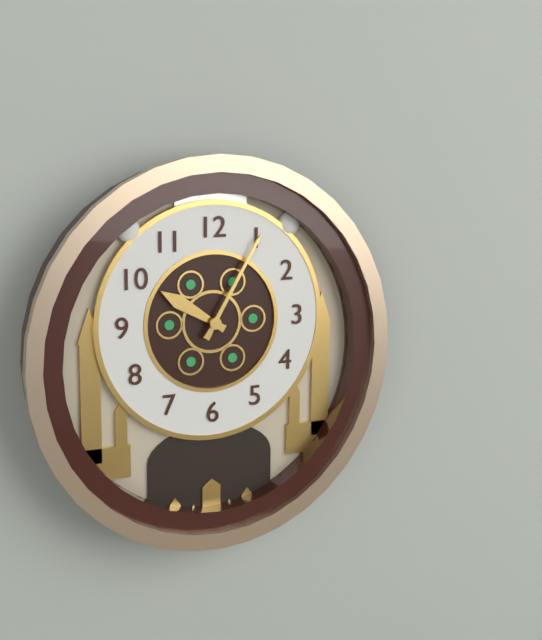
**10:05**
